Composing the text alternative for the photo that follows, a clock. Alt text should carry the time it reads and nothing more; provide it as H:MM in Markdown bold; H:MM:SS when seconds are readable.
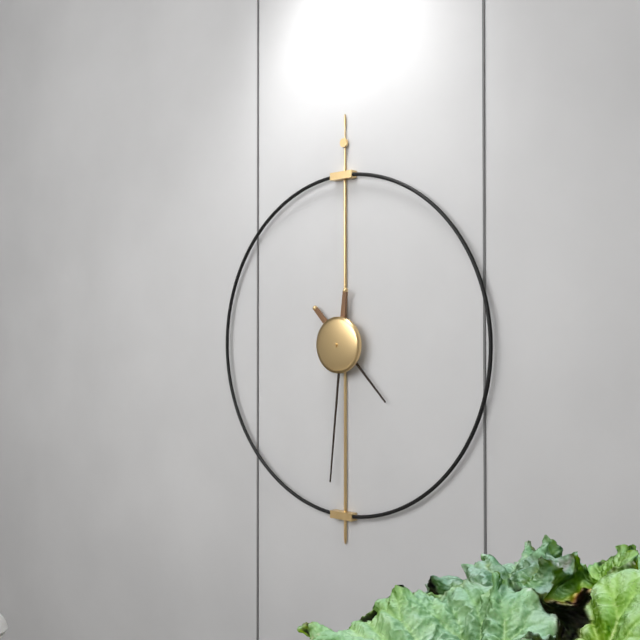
**4:31**
